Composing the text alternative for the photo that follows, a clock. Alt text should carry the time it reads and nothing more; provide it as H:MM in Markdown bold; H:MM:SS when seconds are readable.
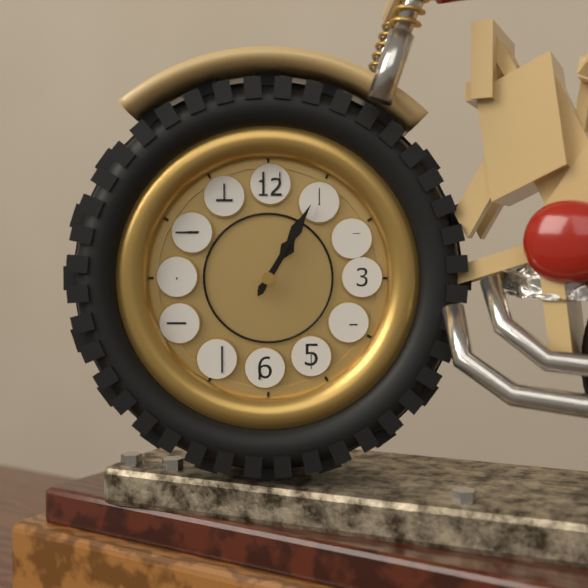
**1:05**
